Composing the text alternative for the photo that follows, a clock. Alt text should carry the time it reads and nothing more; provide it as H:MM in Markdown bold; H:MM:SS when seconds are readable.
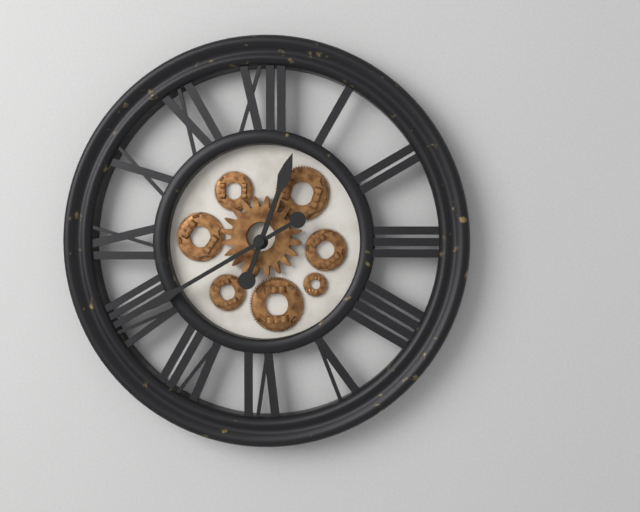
**12:40**
